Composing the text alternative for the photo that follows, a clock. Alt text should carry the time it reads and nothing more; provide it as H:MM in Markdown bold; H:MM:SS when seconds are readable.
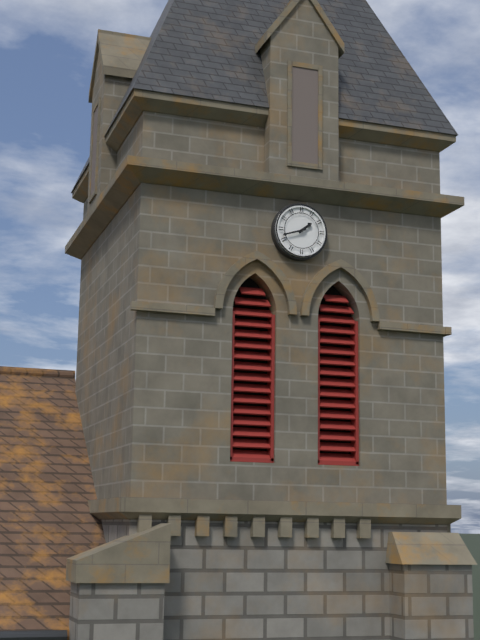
**1:42**
